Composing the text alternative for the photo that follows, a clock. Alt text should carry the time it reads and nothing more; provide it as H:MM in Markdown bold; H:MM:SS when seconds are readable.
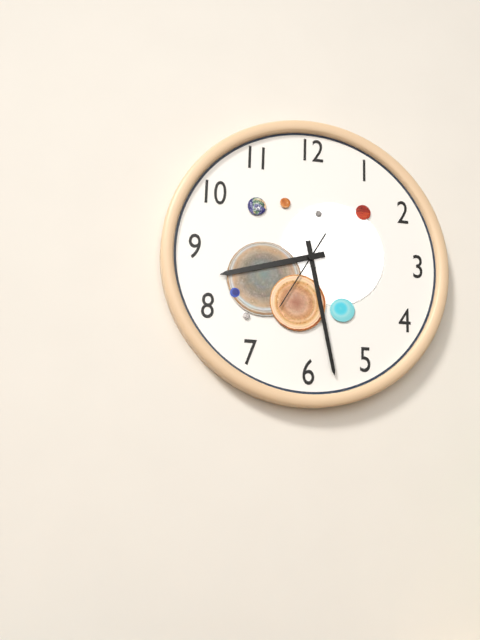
**8:28:35**
